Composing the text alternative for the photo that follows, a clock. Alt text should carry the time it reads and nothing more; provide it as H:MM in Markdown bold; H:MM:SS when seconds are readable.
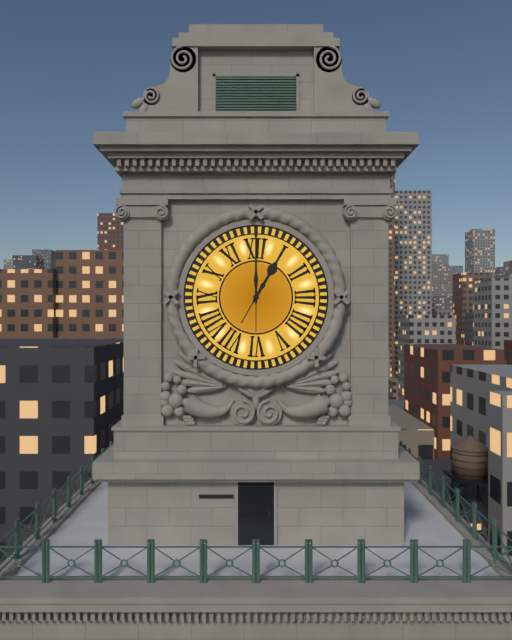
**1:00**
